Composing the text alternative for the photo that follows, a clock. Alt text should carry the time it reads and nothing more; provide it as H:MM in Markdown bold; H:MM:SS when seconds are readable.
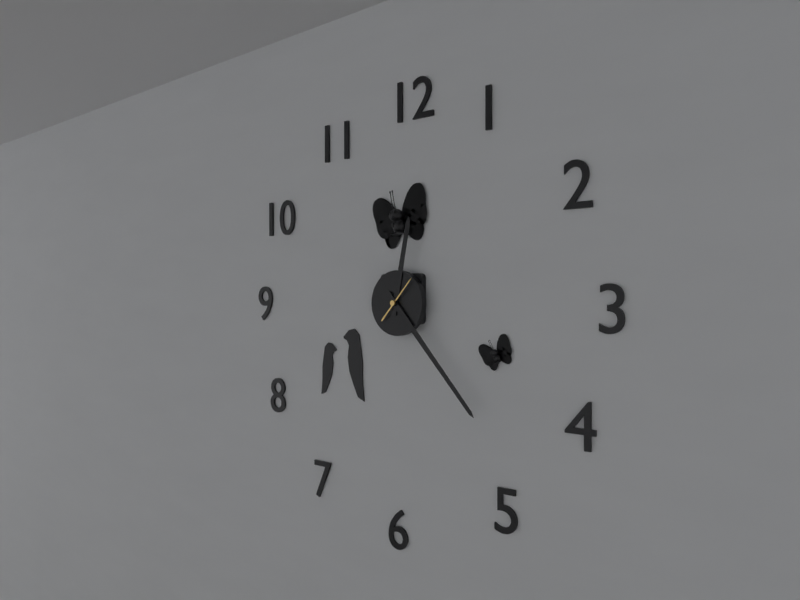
**12:23**
